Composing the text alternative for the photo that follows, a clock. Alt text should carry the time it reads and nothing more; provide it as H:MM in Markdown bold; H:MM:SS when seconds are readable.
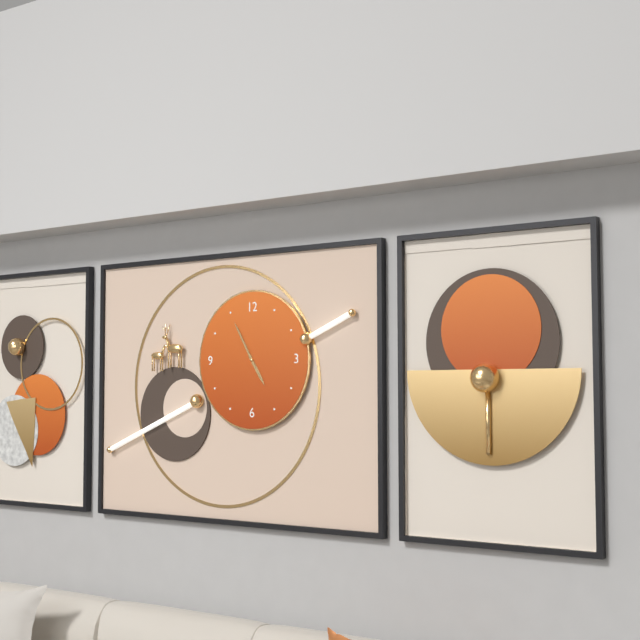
**4:55**
